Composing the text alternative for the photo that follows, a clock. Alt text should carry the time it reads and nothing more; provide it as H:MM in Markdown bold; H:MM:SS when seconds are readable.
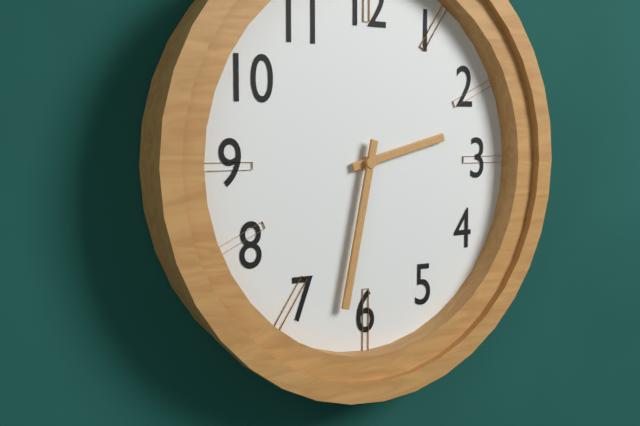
**2:32**
